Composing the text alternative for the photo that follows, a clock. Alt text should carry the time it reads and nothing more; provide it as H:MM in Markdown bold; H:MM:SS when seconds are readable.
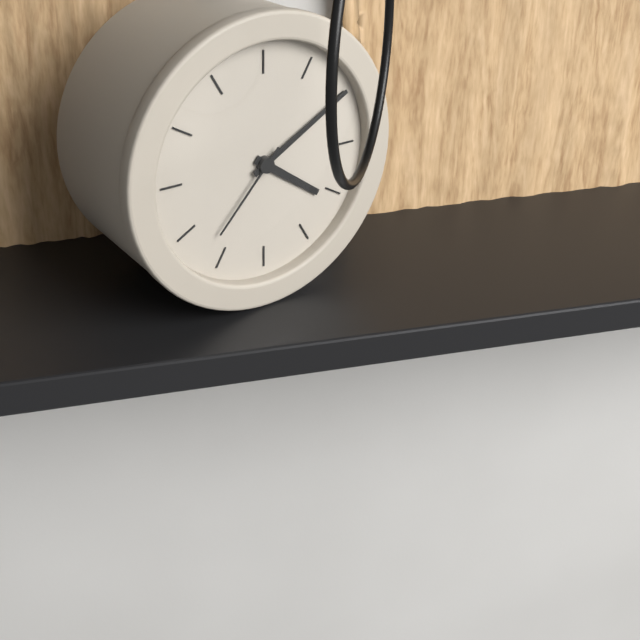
**4:10:37**
